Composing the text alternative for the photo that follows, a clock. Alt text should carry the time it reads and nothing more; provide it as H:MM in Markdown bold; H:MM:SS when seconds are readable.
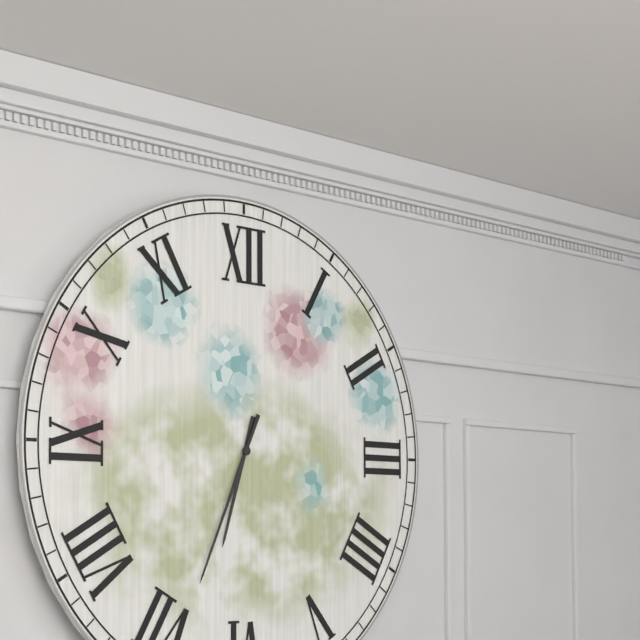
**6:34**
